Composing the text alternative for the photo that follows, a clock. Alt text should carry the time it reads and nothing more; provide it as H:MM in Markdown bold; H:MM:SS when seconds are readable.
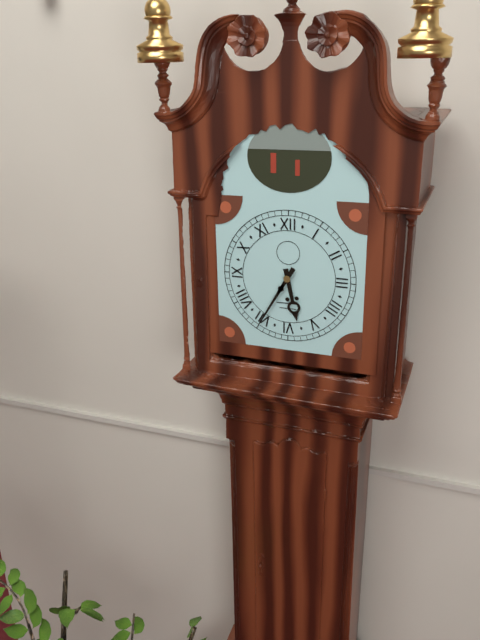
**5:35**
